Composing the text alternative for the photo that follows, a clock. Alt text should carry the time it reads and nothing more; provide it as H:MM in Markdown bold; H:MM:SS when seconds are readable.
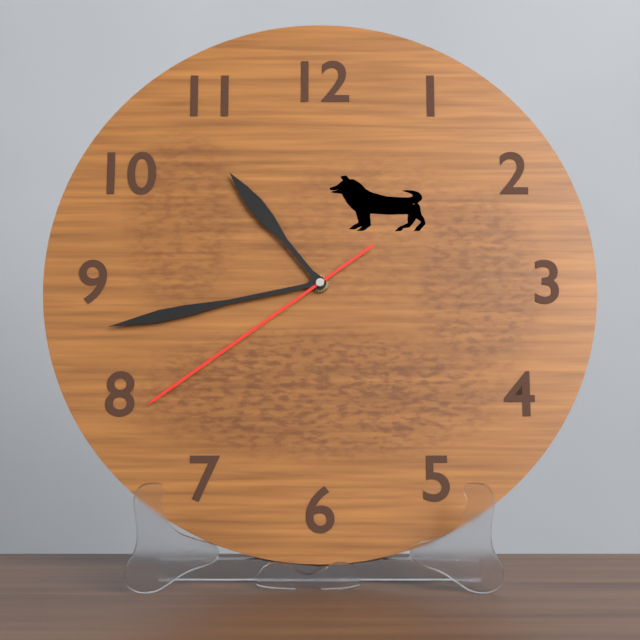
**10:43:39**
